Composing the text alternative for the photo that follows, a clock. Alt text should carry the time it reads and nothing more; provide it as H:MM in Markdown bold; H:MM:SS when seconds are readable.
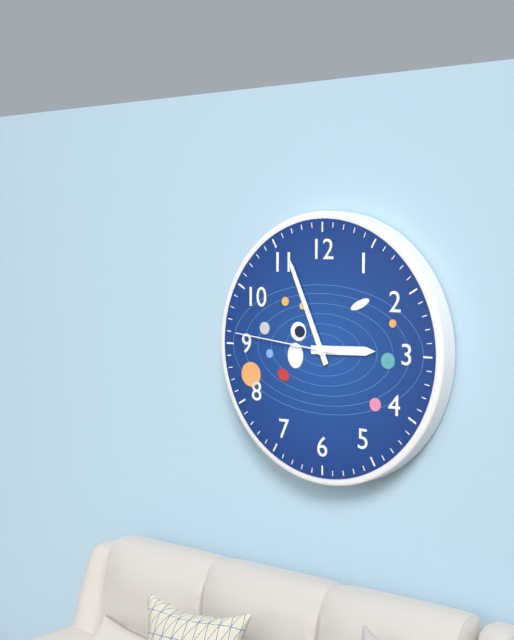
**2:56:46**
